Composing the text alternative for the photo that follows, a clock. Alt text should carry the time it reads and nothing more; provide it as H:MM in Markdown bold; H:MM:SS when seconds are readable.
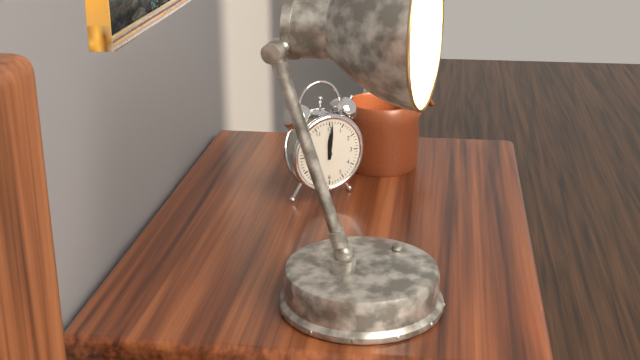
**12:01**
